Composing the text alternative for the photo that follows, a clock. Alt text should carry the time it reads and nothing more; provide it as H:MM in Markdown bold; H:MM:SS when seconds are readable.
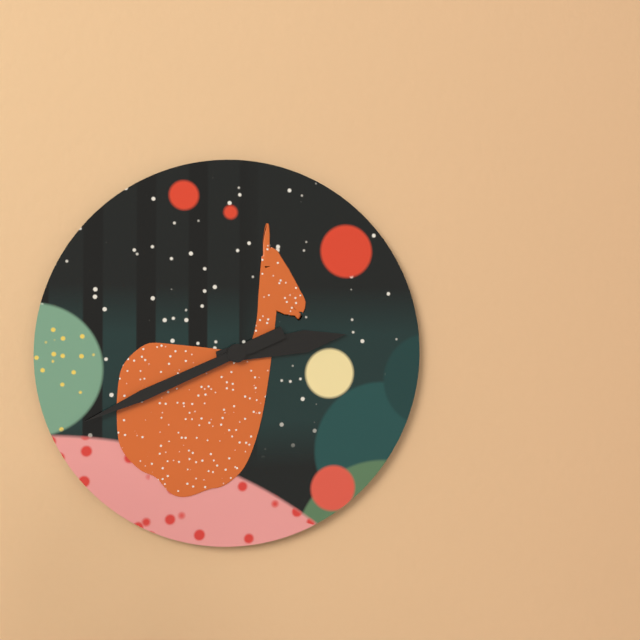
**2:41**
